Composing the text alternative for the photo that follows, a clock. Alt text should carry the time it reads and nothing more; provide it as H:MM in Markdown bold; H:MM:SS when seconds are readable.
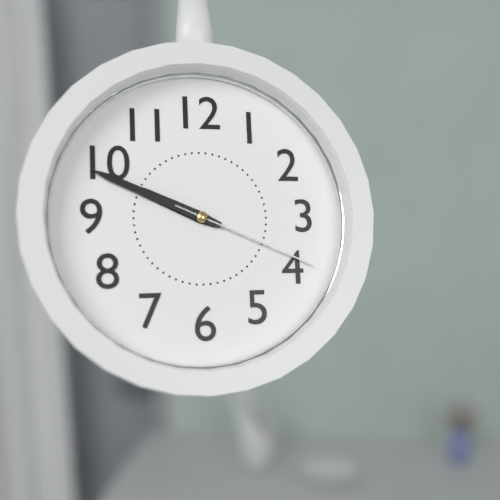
**9:49:19**
